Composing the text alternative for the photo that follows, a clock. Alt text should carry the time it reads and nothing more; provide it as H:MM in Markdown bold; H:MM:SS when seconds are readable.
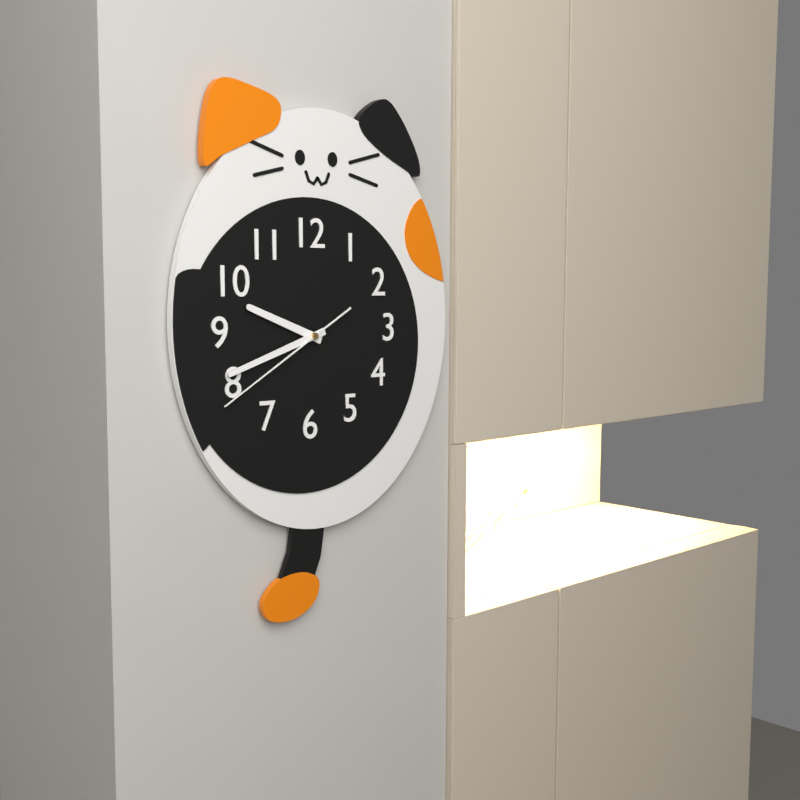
**9:42:40**
